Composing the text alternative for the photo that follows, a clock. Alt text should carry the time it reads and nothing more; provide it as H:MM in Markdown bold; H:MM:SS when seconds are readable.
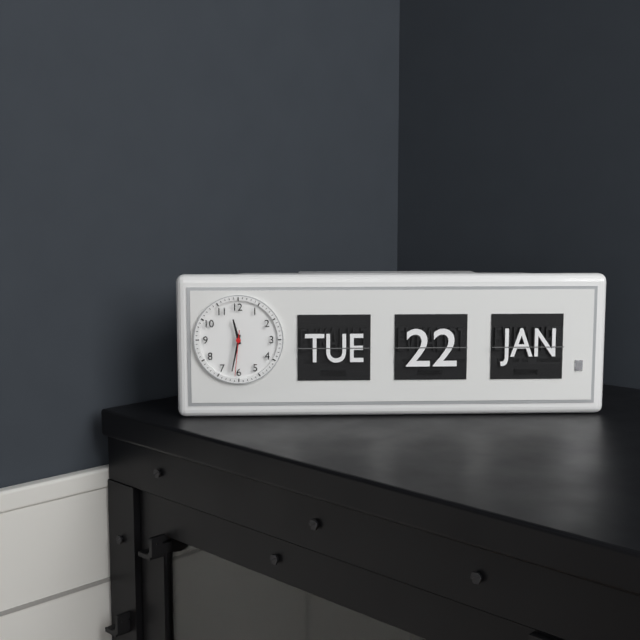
**11:32**
